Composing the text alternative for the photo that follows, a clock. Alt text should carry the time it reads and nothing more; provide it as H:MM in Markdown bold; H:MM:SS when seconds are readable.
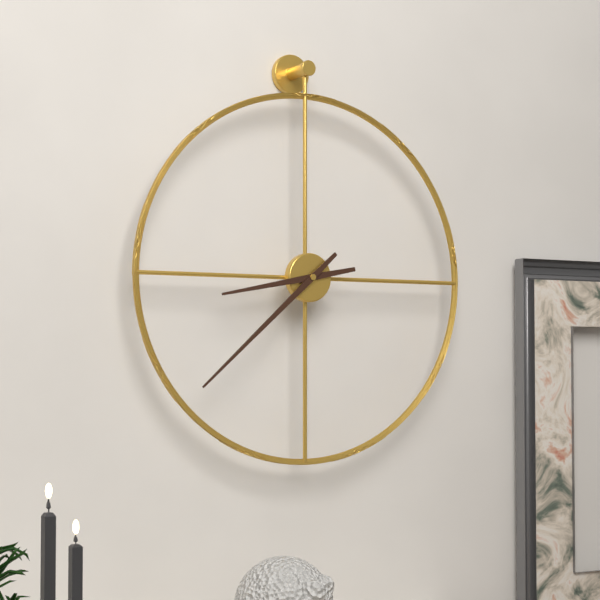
**8:38**
